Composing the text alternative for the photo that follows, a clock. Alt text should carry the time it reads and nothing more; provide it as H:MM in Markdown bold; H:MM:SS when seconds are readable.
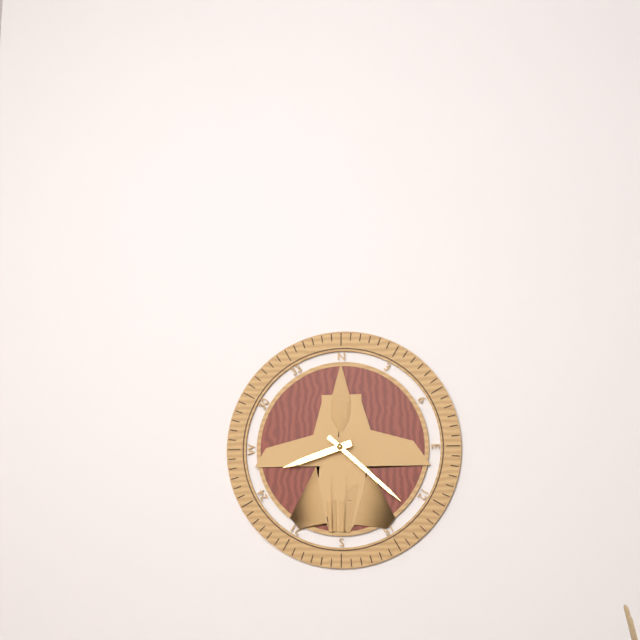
**8:22**
